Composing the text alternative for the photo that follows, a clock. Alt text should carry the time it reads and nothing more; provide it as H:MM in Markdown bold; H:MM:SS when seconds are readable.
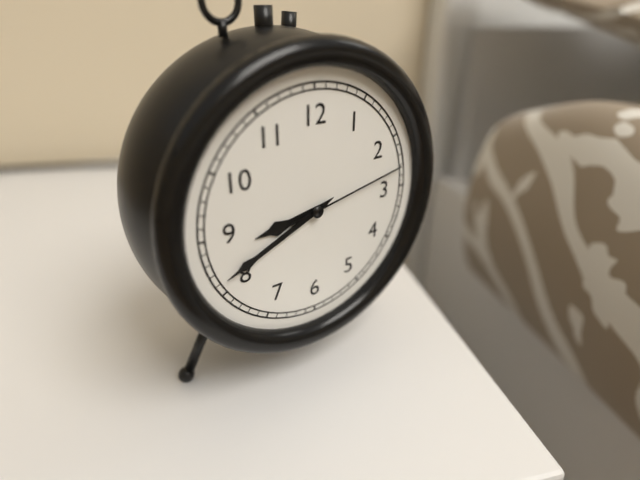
**8:41:13**
